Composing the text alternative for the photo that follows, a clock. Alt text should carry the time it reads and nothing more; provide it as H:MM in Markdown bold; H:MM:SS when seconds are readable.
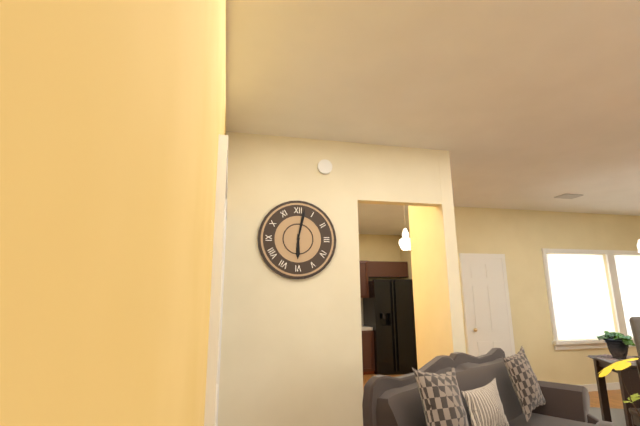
**6:02**
